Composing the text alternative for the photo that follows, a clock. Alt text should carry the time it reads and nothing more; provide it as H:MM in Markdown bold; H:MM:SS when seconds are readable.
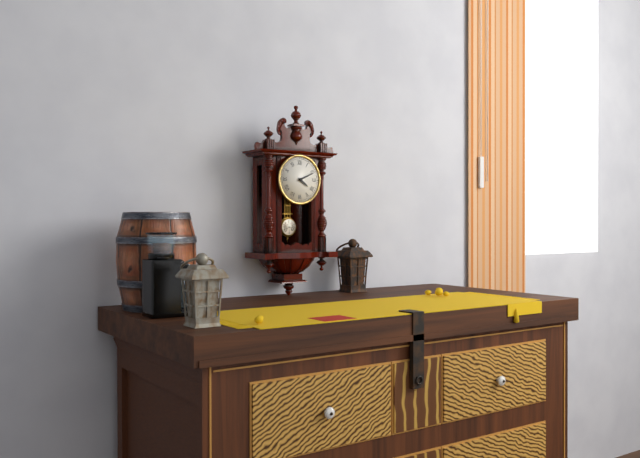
**4:11**
